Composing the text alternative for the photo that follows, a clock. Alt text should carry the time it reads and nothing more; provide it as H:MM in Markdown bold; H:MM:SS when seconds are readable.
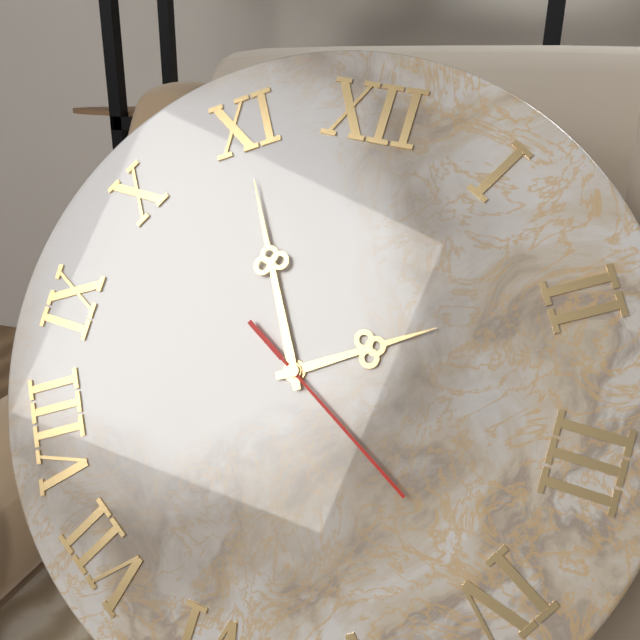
**1:55:20**
